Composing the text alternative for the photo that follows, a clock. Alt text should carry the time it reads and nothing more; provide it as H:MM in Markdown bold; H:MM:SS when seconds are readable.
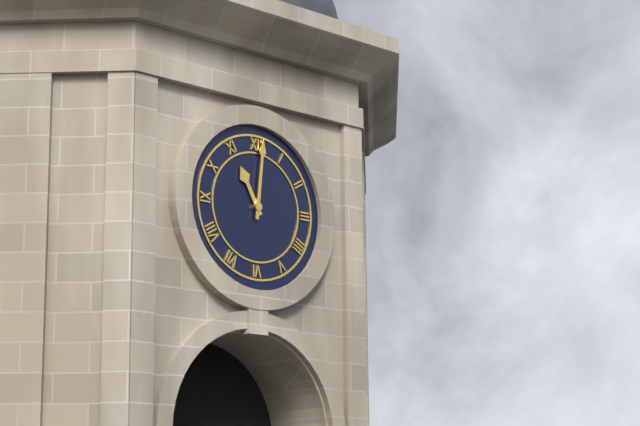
**11:01**
